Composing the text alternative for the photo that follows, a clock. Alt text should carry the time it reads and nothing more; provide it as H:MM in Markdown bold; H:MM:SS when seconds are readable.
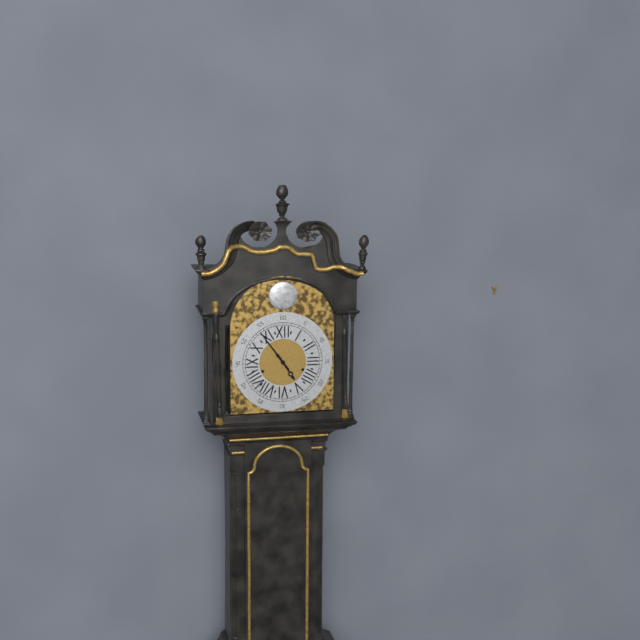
**4:54**
